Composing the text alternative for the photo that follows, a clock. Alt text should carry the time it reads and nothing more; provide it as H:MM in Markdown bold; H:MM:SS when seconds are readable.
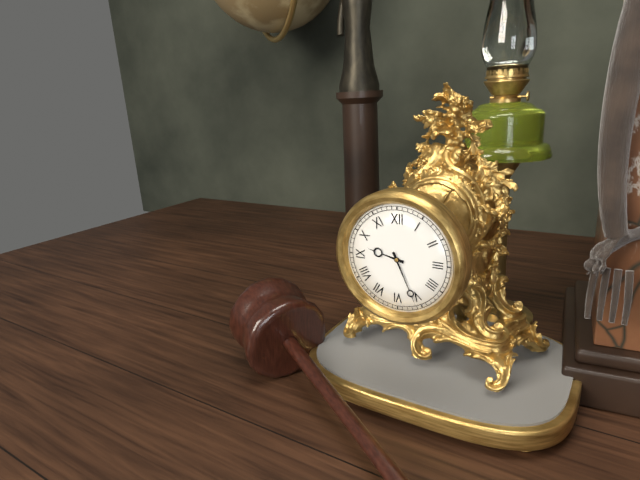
**9:26**
